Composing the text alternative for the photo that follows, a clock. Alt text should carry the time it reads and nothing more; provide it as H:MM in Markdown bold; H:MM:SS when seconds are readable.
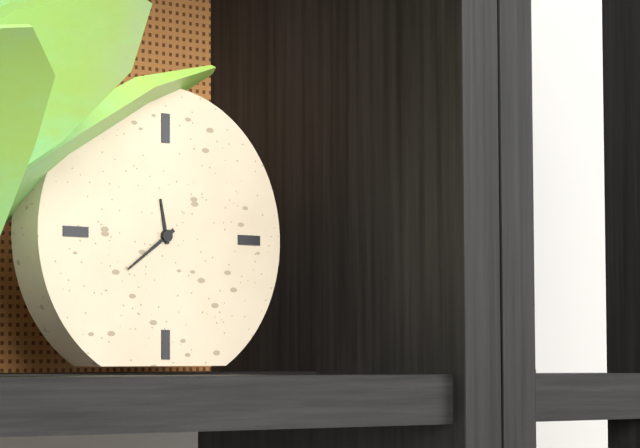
**11:39**
